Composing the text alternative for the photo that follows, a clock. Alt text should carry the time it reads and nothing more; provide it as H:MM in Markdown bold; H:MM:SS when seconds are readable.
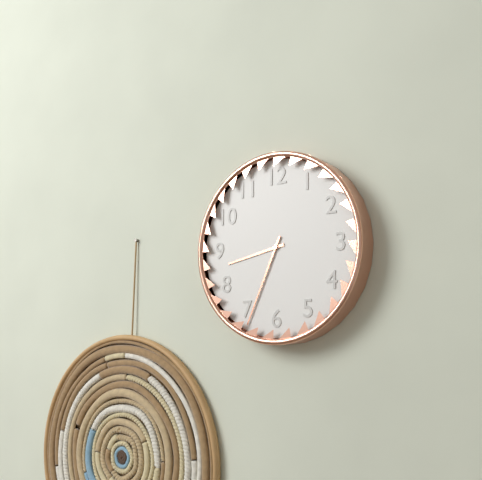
**8:34**
